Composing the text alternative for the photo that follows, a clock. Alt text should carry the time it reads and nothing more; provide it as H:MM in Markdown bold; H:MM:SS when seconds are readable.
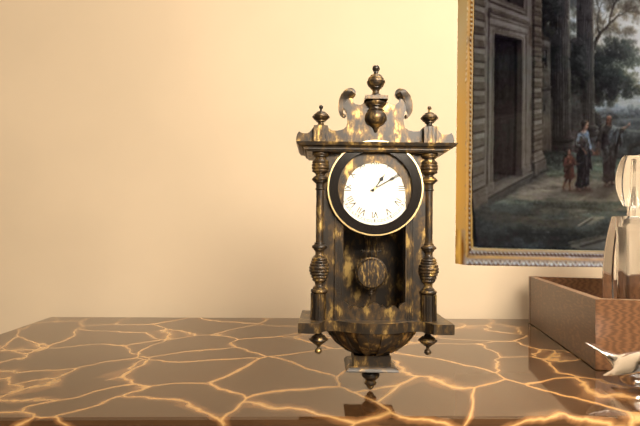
**1:10**
